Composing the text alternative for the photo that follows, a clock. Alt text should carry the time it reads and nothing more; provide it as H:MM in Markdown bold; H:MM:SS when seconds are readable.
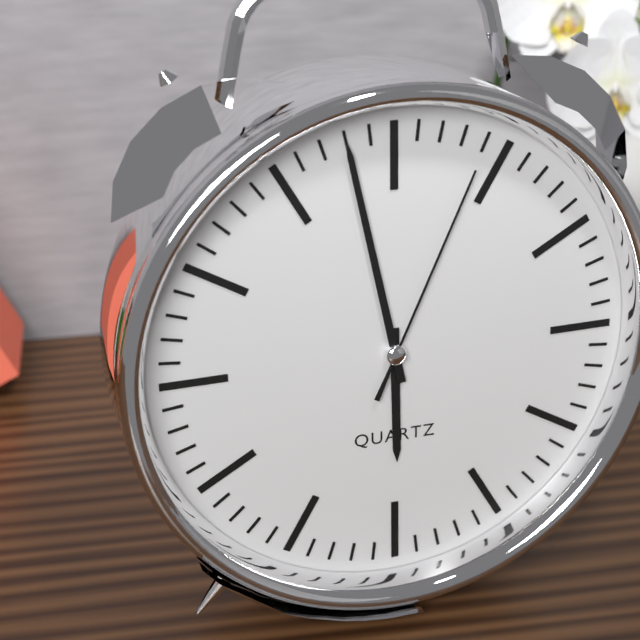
**5:58:04**
